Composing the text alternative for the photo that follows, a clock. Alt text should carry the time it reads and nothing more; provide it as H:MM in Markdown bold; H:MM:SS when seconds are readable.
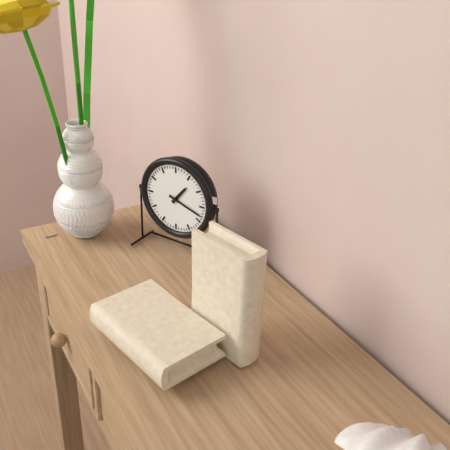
**1:18**
